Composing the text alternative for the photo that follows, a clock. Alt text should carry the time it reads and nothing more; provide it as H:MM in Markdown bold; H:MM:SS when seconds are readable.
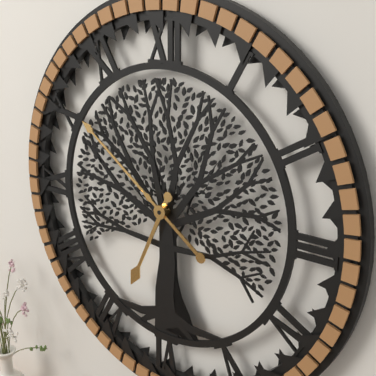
**6:51**
